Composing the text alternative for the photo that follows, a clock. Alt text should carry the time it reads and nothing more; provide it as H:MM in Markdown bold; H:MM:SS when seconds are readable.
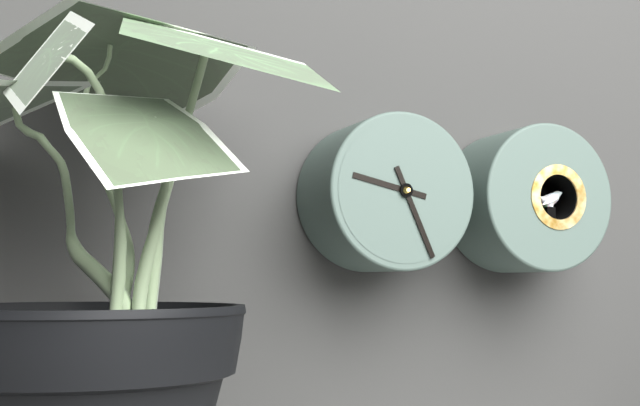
**9:26**
